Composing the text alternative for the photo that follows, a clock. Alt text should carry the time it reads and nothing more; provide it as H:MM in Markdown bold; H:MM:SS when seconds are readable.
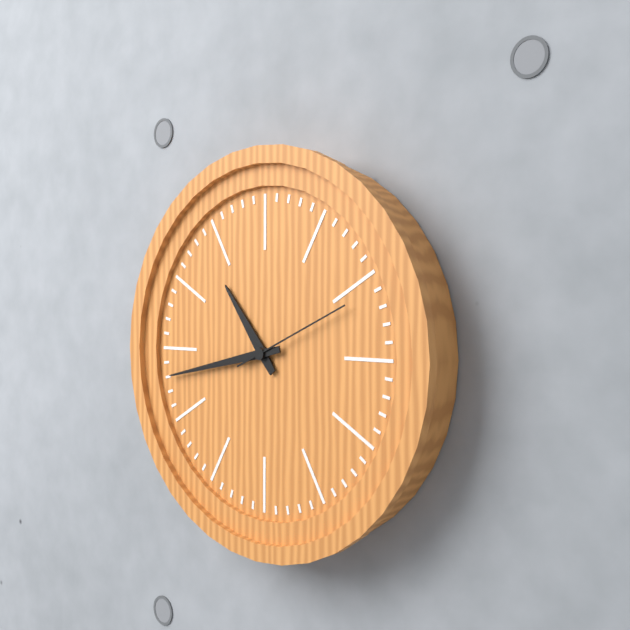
**10:43:11**
